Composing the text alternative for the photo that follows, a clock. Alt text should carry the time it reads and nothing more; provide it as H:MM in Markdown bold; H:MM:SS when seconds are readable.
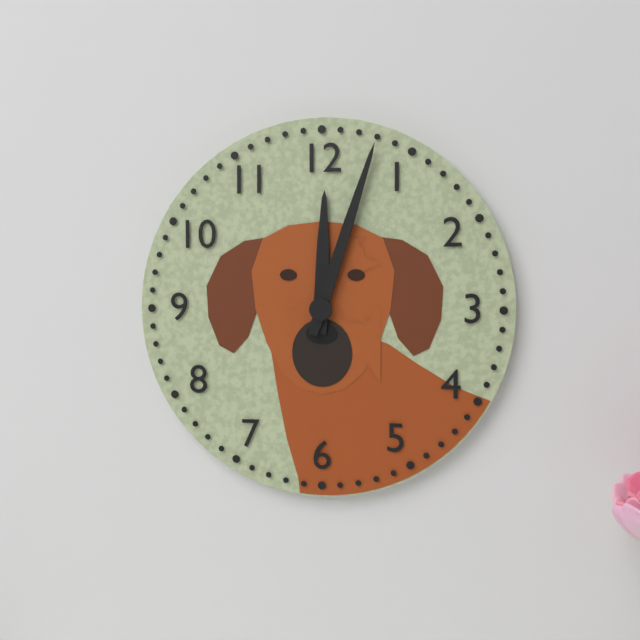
**12:03**
